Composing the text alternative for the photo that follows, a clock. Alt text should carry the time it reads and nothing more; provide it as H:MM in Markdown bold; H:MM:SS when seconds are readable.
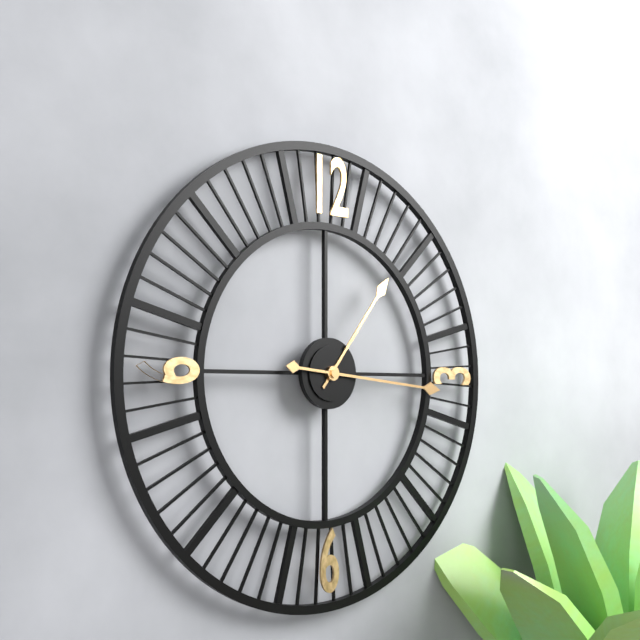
**1:16**
